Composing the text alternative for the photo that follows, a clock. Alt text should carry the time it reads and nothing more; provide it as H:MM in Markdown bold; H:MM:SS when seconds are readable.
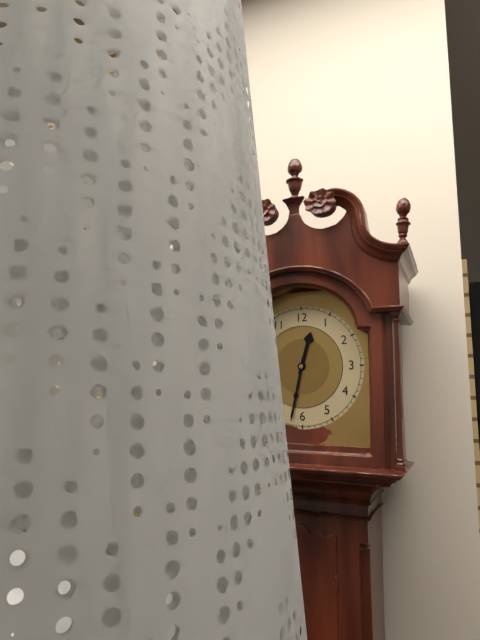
**12:32**
